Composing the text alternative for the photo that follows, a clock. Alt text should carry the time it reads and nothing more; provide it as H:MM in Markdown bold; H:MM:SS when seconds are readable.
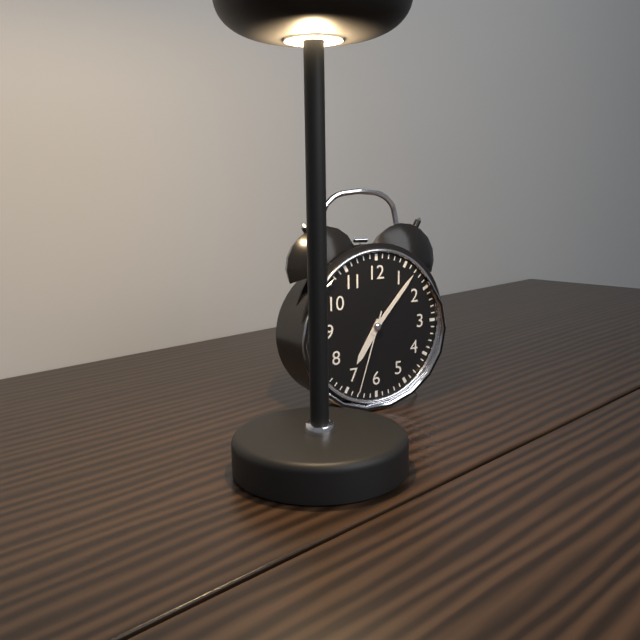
**7:07:33**
